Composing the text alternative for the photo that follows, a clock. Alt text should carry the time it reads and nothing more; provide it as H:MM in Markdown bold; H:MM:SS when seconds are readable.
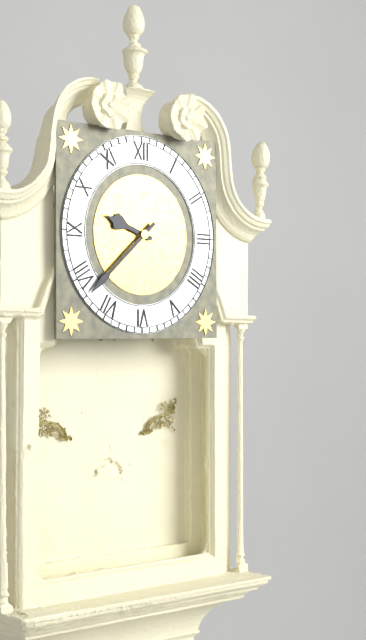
**9:38**
